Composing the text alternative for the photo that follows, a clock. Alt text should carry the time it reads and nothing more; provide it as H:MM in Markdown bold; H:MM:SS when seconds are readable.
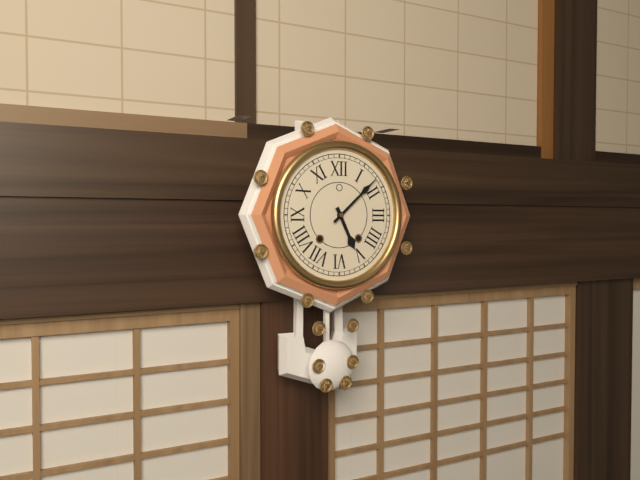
**5:08**
